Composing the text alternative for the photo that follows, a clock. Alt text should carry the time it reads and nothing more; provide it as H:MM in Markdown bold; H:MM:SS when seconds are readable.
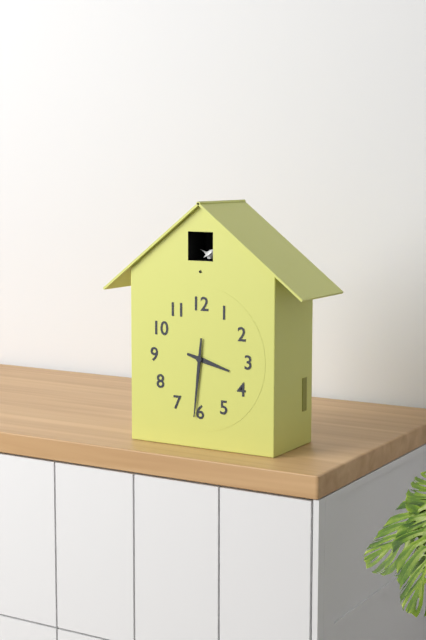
**3:31**
